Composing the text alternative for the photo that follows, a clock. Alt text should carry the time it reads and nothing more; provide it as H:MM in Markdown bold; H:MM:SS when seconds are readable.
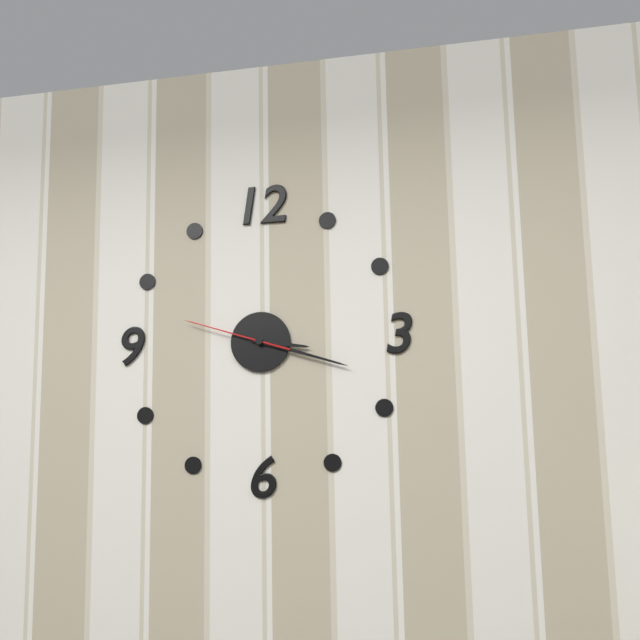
**3:18:48**
